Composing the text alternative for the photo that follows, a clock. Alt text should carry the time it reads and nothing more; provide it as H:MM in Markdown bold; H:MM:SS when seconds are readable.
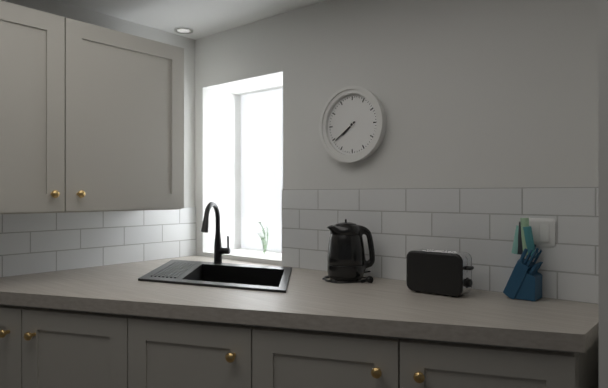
**7:39**
